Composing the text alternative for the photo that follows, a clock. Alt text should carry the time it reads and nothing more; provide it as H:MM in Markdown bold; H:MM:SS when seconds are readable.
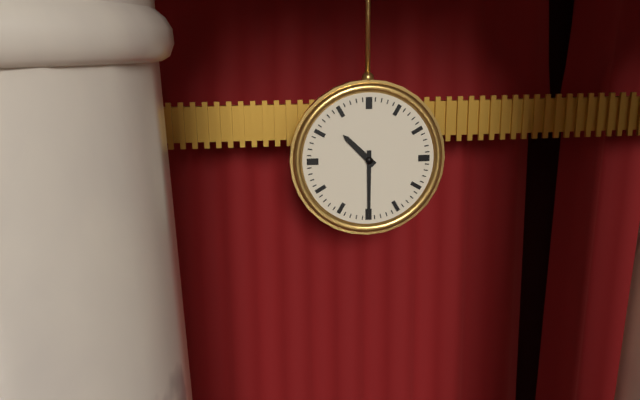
**10:30**
